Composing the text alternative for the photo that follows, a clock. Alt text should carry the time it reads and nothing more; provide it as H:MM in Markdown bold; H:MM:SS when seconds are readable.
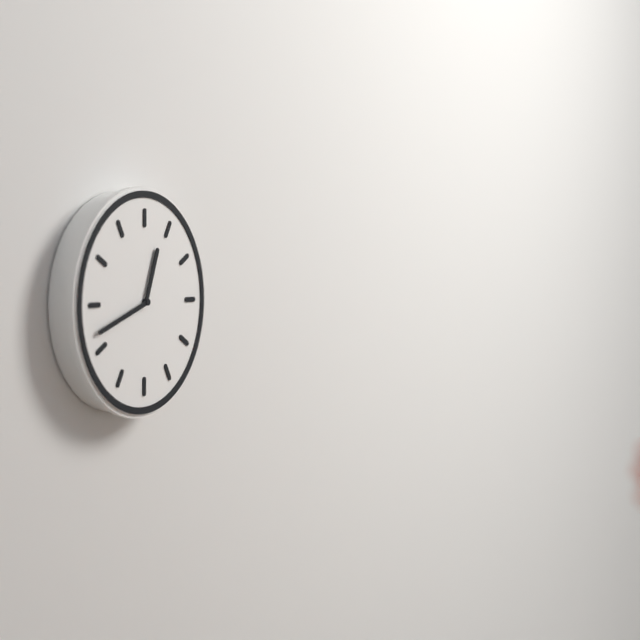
**12:42**
